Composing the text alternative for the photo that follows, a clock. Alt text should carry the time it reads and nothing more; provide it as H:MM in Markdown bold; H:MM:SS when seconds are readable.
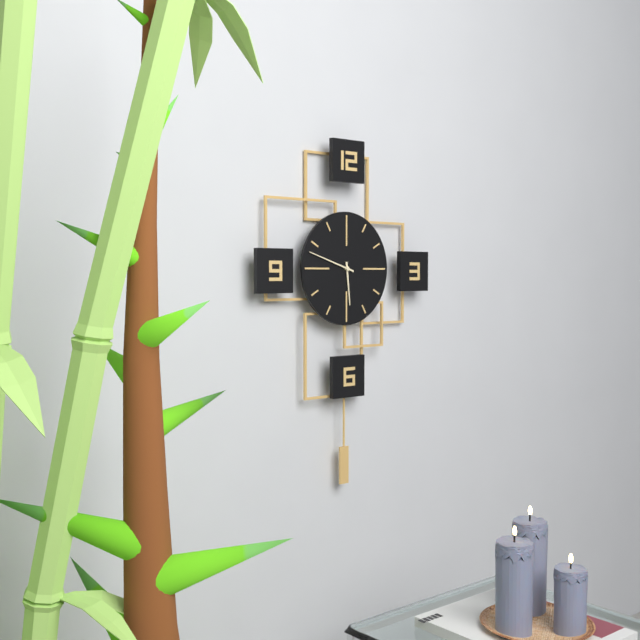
**5:48**
